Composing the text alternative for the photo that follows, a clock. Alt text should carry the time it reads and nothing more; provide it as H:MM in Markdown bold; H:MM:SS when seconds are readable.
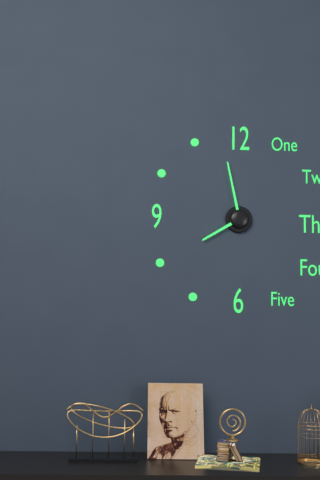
**7:58**
